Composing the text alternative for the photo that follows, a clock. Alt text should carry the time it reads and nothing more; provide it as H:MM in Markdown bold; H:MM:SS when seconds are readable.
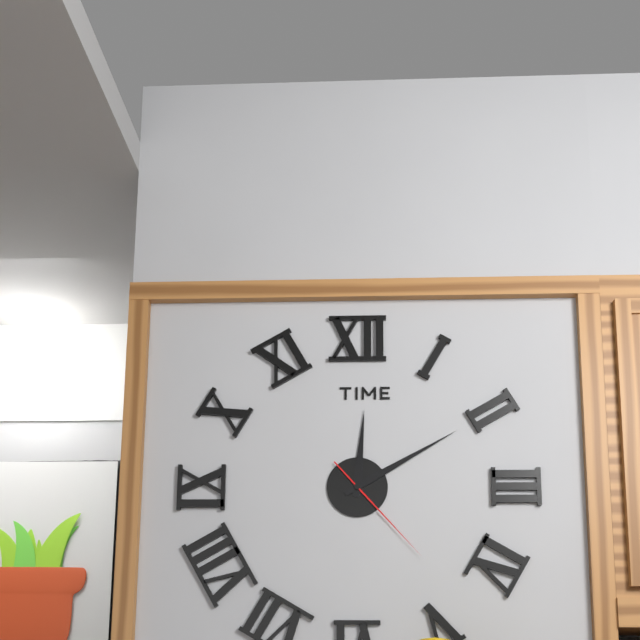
**12:10:23**
